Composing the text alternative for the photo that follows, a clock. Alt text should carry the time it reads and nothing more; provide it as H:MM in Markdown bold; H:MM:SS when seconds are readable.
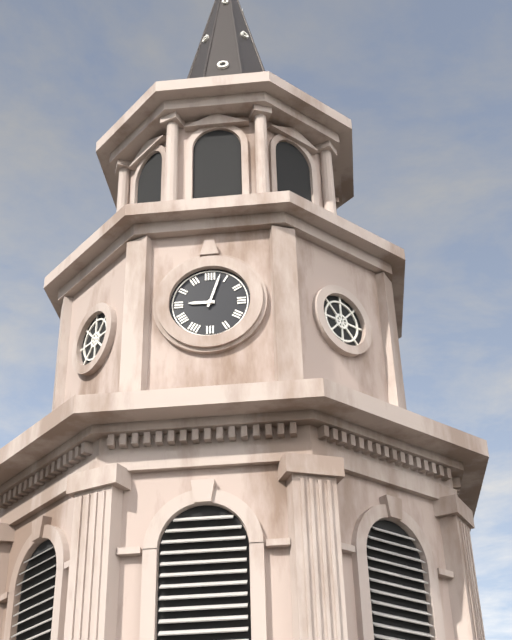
**9:03**
